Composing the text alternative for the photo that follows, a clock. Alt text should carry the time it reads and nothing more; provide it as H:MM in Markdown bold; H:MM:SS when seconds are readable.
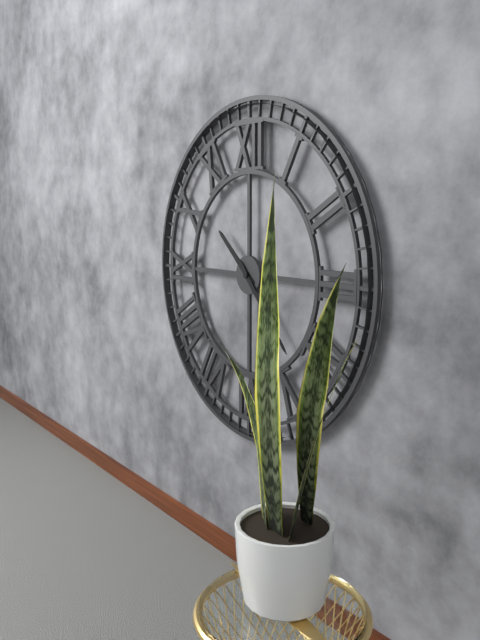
**10:23**
